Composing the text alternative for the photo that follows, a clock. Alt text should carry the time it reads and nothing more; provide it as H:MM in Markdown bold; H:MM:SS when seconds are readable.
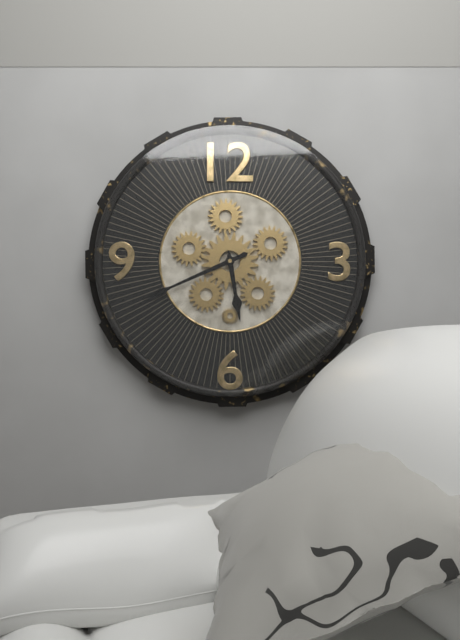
**5:41**
